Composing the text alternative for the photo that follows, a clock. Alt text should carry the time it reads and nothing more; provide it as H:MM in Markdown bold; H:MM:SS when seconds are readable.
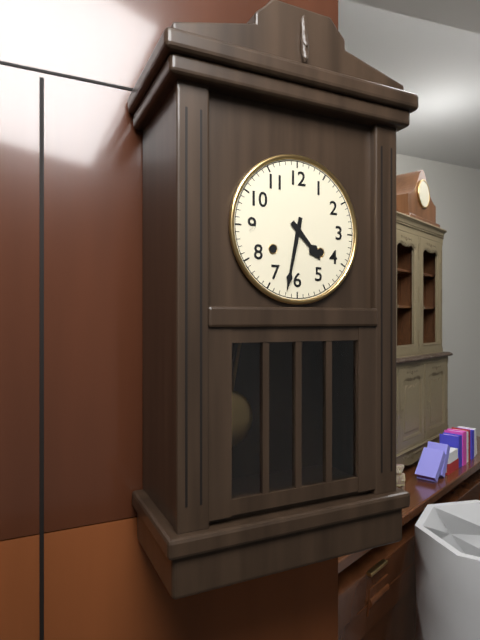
**4:32**
